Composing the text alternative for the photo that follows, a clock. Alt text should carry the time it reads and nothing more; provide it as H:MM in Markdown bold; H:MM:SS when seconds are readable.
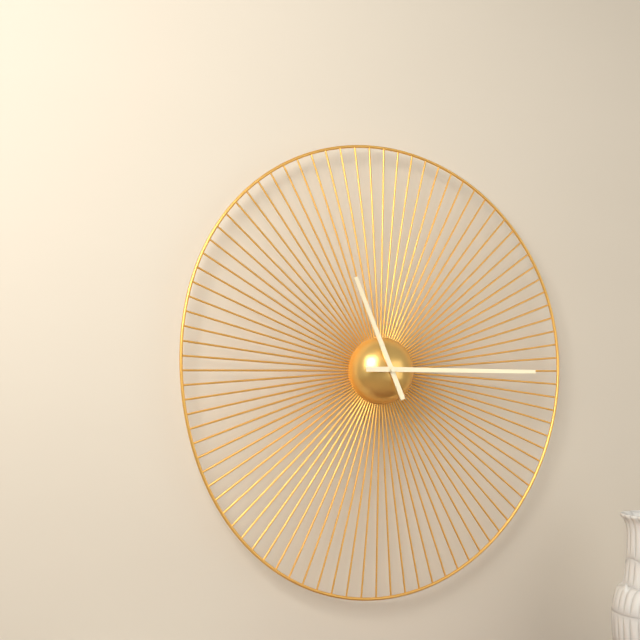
**11:15**
